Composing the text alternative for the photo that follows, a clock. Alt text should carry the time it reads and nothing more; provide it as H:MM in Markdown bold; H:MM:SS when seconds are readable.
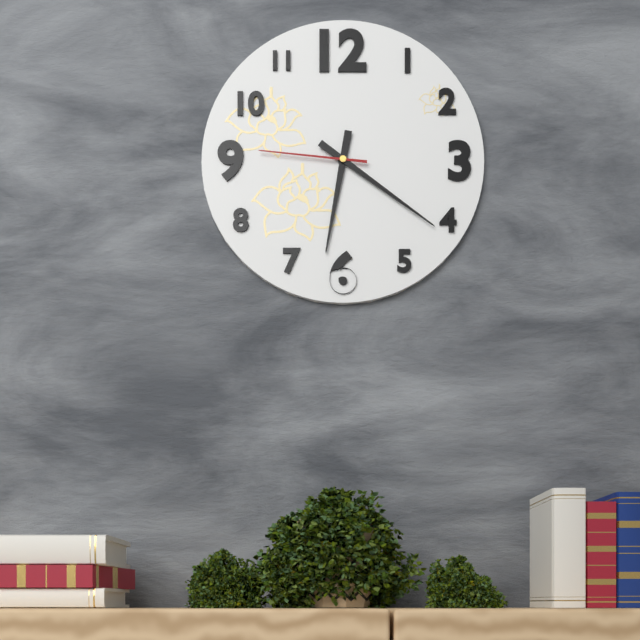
**6:21:46**
